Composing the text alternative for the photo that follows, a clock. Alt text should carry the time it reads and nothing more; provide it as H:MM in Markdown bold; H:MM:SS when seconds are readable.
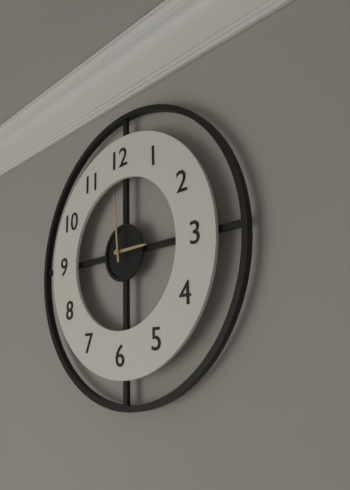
**2:59**
